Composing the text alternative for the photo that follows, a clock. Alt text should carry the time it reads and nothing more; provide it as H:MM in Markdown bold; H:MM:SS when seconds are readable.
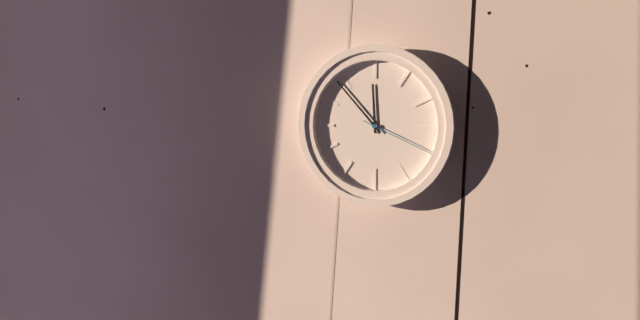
**11:53:19**
